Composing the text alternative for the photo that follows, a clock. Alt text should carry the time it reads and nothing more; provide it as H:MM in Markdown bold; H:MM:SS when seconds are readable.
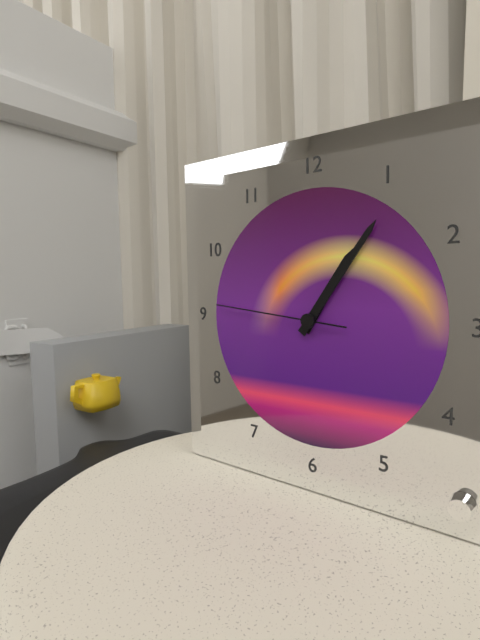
**1:06:46**
